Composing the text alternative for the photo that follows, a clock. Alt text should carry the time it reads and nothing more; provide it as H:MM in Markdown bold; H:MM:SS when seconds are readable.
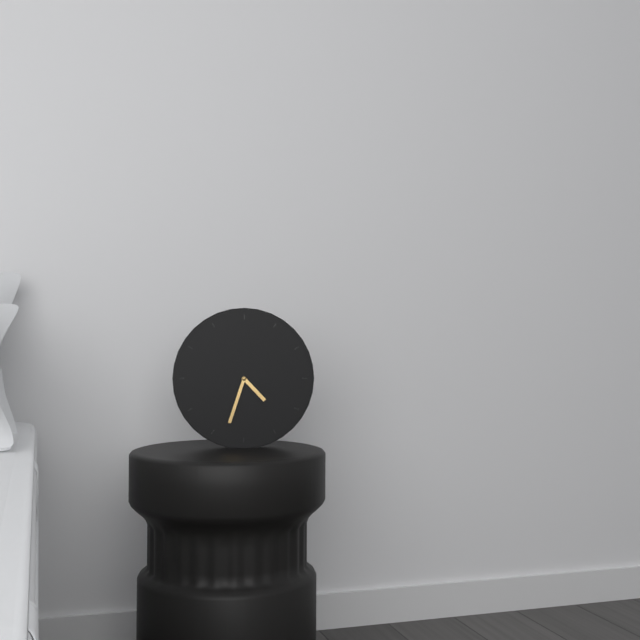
**4:33**
